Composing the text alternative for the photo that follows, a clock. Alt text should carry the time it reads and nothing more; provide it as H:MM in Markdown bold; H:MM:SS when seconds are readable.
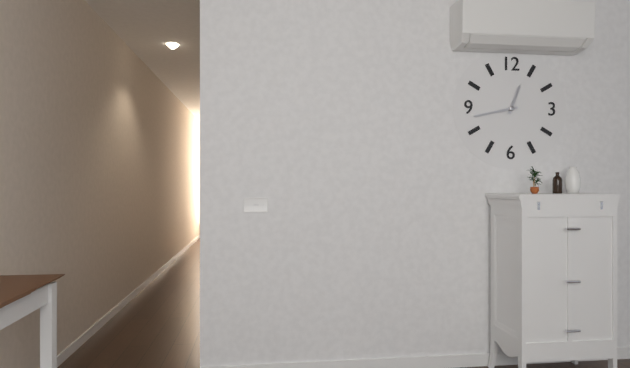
**12:43**
